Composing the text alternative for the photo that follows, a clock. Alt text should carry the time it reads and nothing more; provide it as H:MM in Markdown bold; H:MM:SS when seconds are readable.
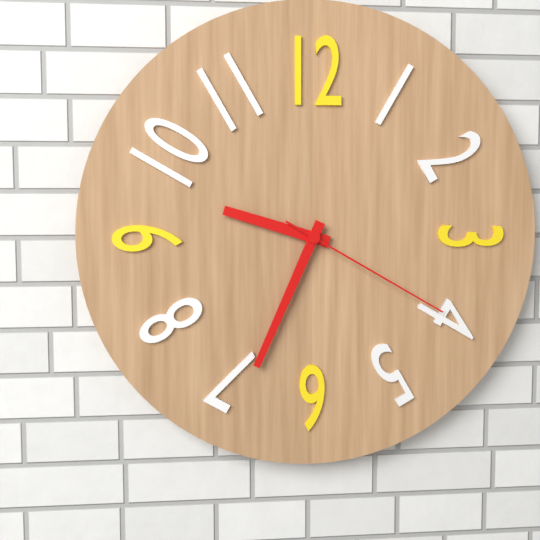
**9:34:20**
